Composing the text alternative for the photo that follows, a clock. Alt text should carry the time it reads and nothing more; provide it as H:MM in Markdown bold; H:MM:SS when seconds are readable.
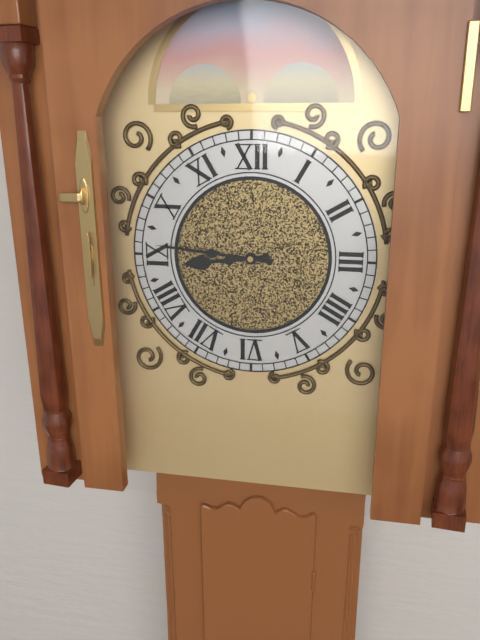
**8:46**
